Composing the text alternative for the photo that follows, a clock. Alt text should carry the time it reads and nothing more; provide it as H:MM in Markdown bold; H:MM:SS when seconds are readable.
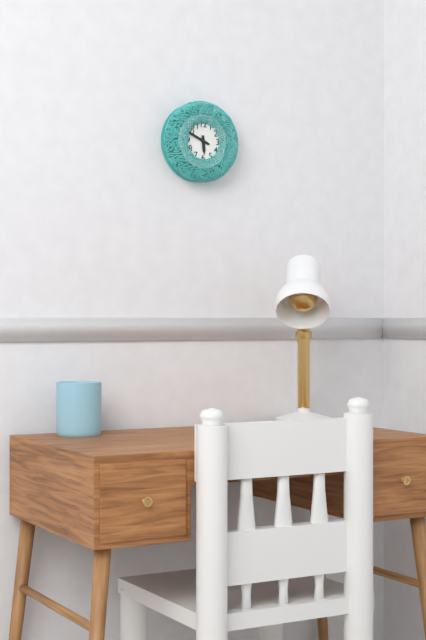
**5:49**
